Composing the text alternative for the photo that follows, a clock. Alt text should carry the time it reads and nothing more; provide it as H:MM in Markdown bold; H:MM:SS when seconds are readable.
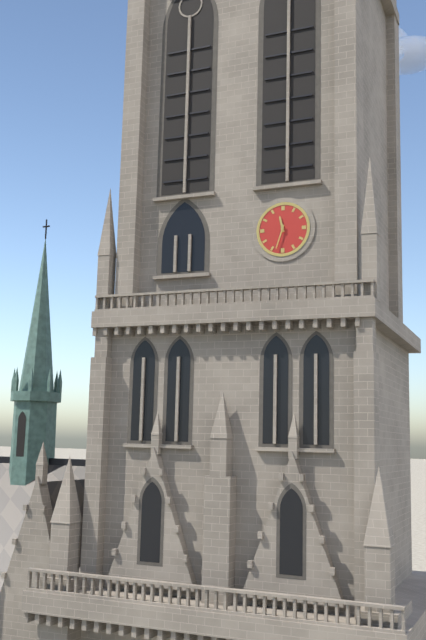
**11:33**
